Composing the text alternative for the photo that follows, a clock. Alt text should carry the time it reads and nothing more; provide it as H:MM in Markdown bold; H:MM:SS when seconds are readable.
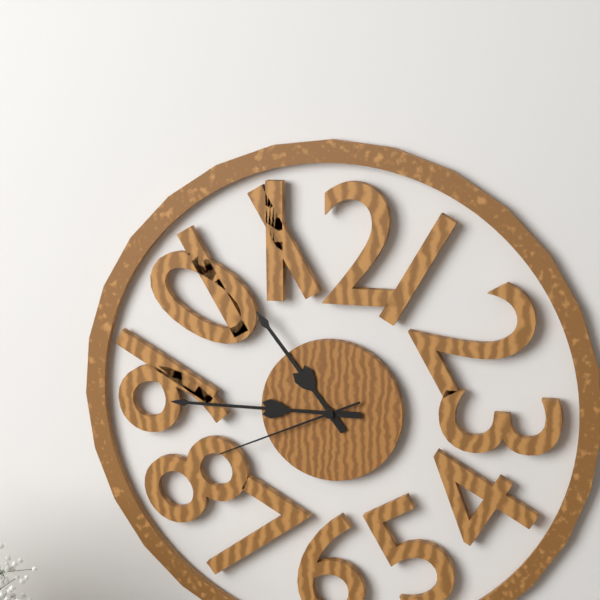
**10:45:41**
